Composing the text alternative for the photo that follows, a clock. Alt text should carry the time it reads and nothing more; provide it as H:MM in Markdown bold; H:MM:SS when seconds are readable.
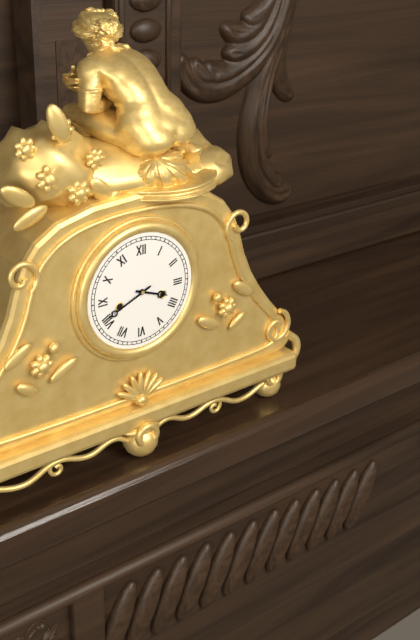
**3:41**
